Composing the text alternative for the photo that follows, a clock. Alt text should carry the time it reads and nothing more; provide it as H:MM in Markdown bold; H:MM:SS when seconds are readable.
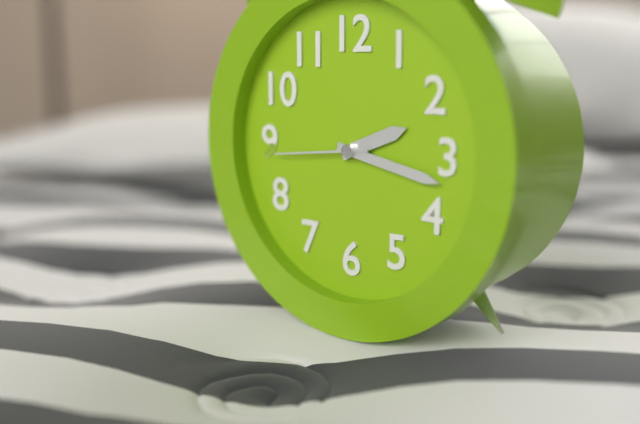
**2:17:44**
